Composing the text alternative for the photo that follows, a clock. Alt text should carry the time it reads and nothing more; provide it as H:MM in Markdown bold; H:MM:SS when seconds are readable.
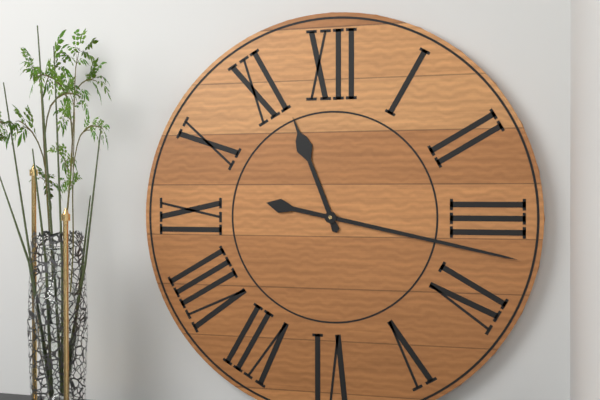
**11:17**
